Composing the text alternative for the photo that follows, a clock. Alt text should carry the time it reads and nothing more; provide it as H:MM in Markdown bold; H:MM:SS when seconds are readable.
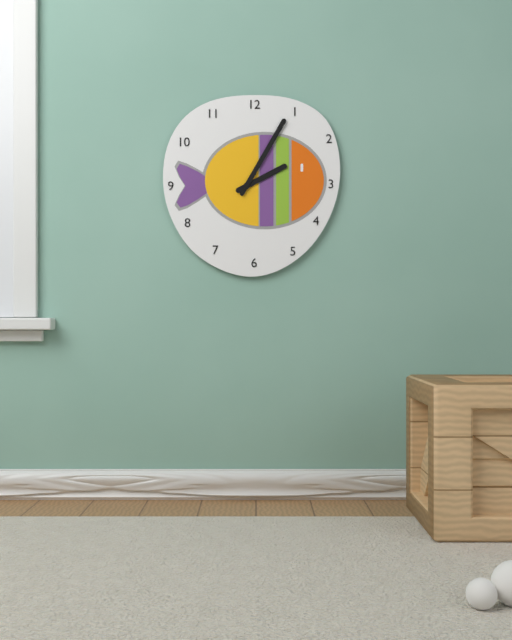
**2:05**
